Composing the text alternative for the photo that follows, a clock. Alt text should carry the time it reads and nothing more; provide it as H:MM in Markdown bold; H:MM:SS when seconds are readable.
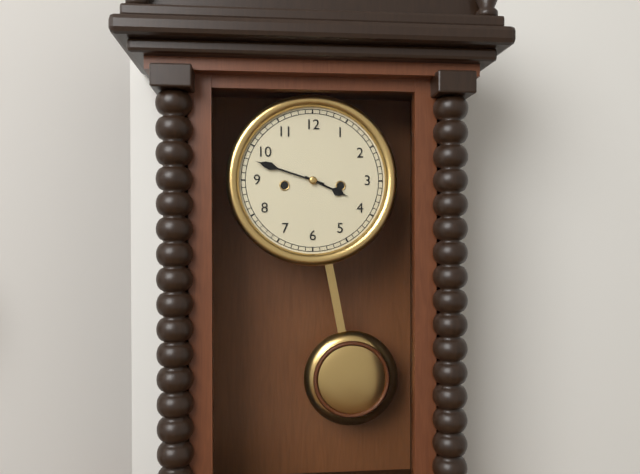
**3:48**
